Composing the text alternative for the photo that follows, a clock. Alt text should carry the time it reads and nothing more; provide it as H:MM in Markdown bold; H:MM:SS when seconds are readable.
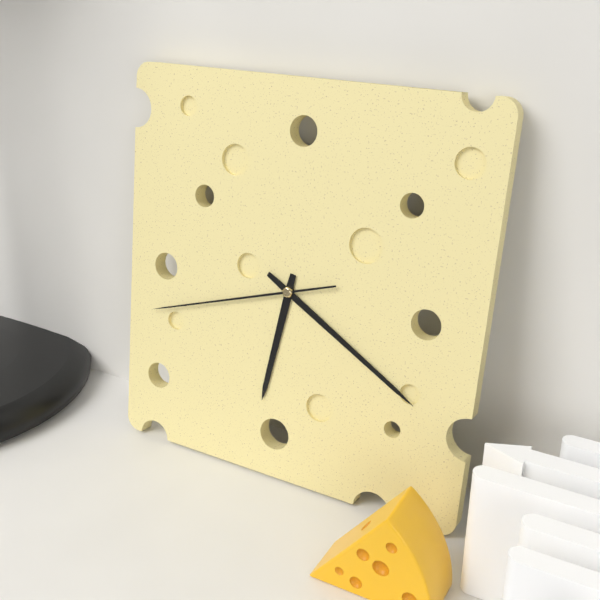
**6:20:42**
